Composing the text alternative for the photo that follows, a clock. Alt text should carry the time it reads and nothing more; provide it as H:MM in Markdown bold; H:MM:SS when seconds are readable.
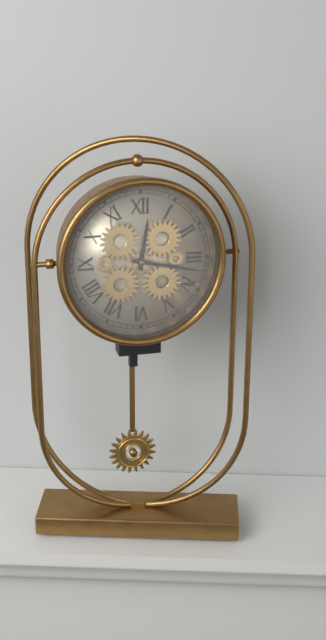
**12:17**
